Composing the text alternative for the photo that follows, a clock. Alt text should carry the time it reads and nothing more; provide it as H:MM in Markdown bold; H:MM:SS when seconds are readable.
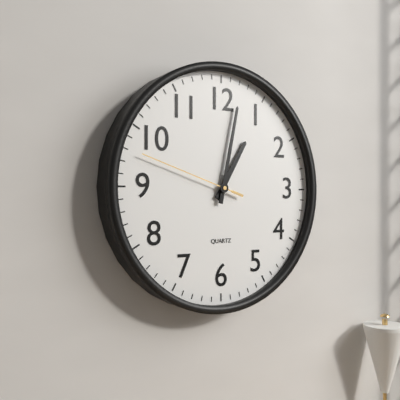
**1:02:48**
